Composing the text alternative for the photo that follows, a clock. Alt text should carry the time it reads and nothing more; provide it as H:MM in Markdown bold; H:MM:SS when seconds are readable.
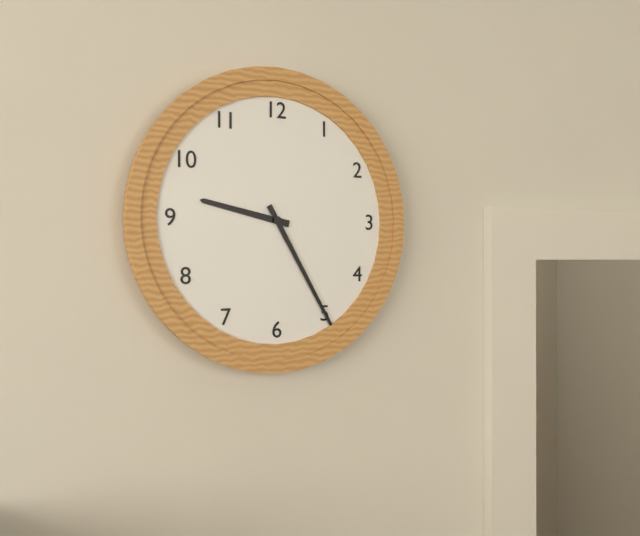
**9:25**
